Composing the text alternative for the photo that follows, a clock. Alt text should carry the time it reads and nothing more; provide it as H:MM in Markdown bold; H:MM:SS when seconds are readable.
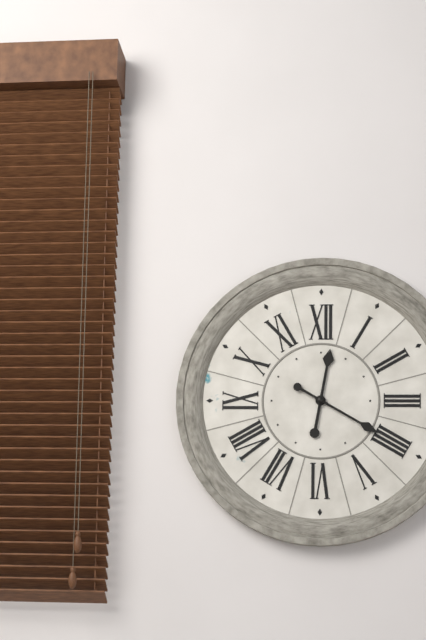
**12:20**
